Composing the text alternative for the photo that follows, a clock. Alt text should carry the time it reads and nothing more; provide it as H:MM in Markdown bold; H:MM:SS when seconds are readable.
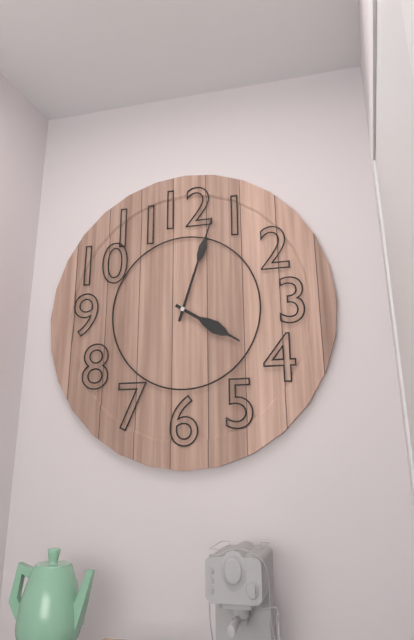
**4:03**
